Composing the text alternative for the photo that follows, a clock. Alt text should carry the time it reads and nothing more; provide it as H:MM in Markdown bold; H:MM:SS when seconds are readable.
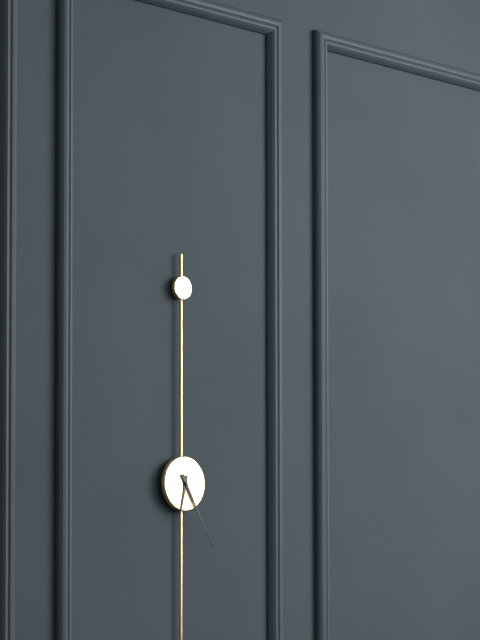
**6:25**
